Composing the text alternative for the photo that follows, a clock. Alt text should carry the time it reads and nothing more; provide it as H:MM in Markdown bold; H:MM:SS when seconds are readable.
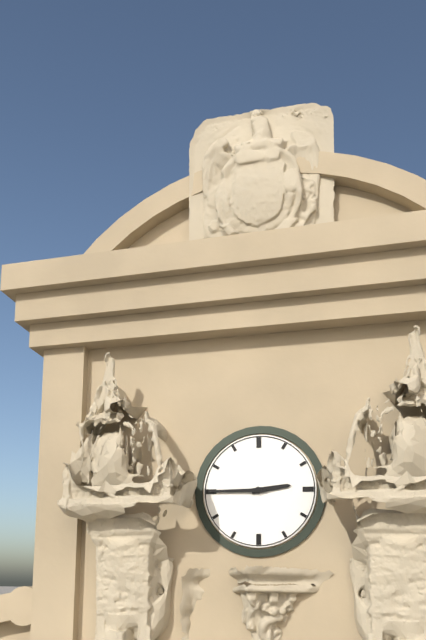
**2:45**
